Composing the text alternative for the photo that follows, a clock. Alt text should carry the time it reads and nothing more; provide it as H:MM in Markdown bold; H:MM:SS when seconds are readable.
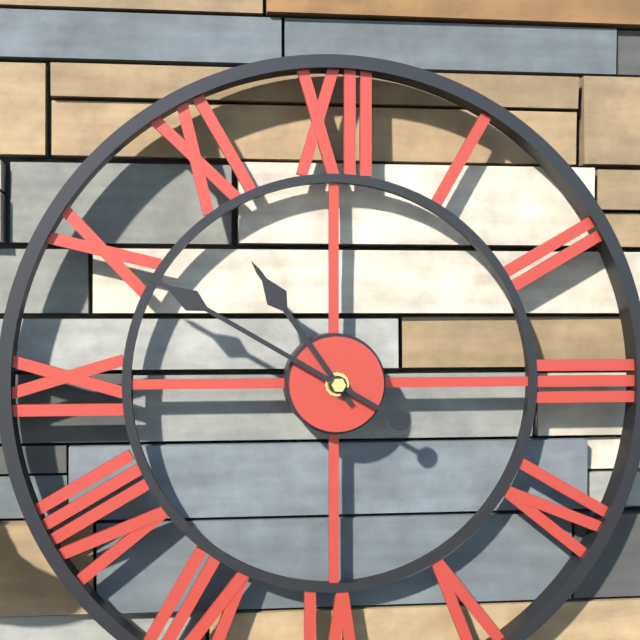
**10:50**
